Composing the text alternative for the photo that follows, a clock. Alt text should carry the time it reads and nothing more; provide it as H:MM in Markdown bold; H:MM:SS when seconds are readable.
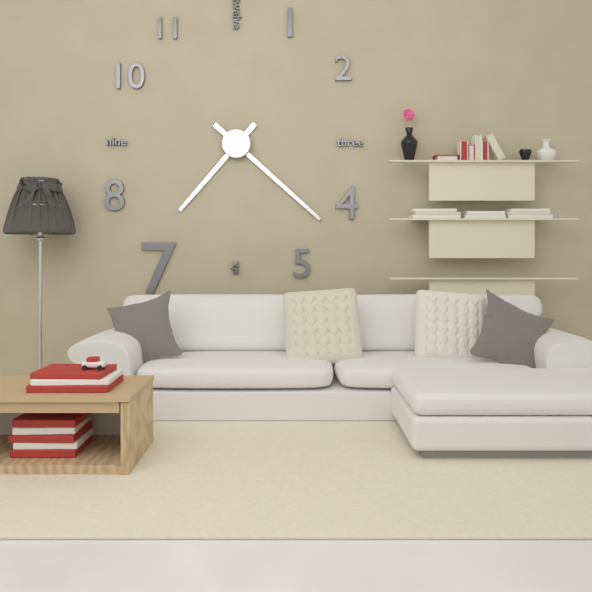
**7:22**
